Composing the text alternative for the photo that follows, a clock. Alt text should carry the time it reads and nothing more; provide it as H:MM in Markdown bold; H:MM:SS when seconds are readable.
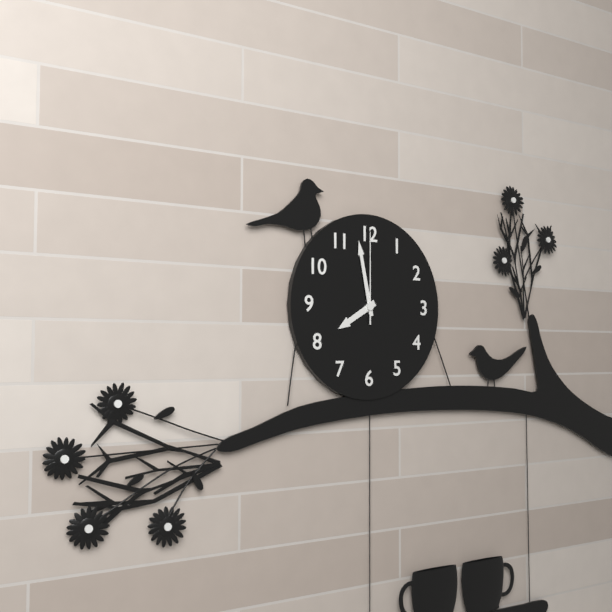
**7:58:00**
